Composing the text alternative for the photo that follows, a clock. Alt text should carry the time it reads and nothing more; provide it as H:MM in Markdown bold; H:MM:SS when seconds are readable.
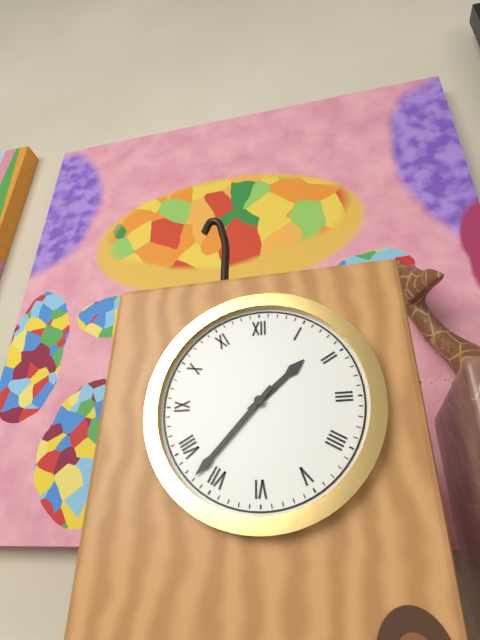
**1:37**
